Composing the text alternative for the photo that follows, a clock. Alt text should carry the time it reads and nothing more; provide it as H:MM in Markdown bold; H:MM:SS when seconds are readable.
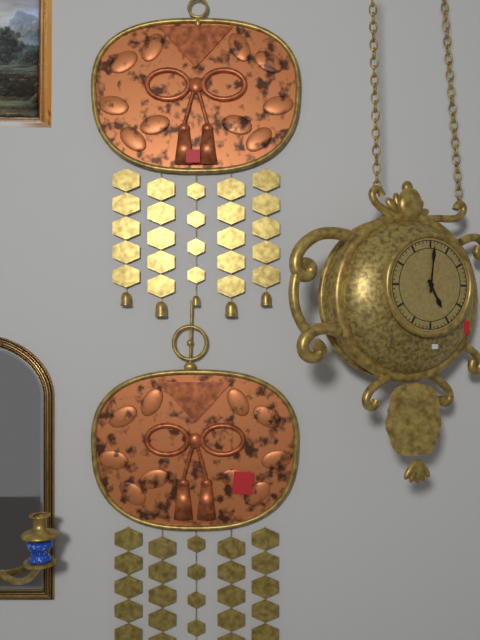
**5:01**
